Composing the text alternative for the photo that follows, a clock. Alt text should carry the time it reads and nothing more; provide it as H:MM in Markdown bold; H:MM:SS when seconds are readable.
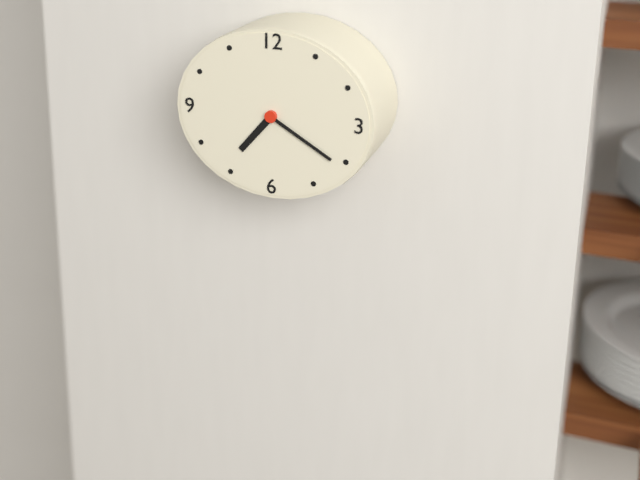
**7:20**
